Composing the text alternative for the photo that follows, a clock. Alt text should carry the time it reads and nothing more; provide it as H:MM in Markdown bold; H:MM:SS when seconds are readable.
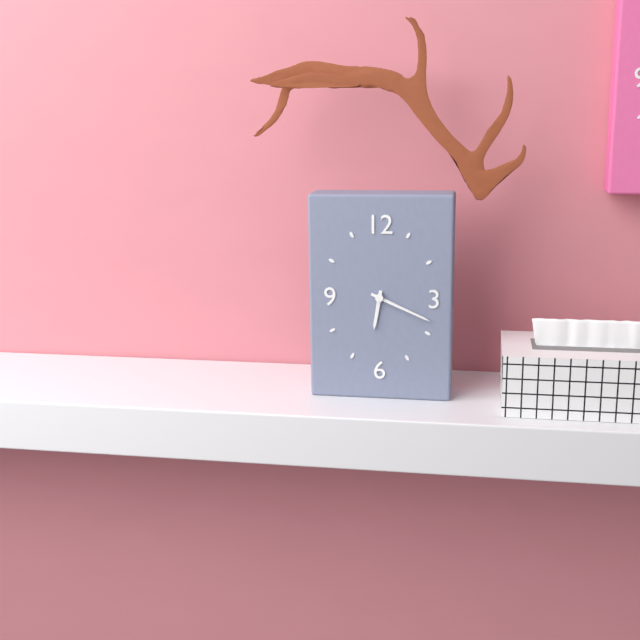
**6:19**
